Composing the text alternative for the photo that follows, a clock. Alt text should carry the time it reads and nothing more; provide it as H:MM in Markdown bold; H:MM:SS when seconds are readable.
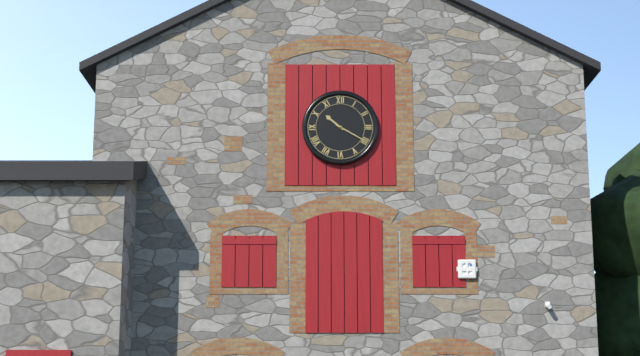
**10:20**
